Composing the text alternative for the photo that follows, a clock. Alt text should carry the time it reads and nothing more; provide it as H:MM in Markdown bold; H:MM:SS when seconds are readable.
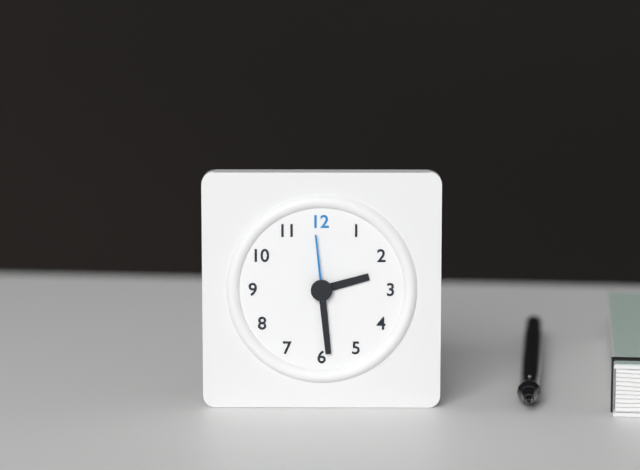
**2:29:59**
